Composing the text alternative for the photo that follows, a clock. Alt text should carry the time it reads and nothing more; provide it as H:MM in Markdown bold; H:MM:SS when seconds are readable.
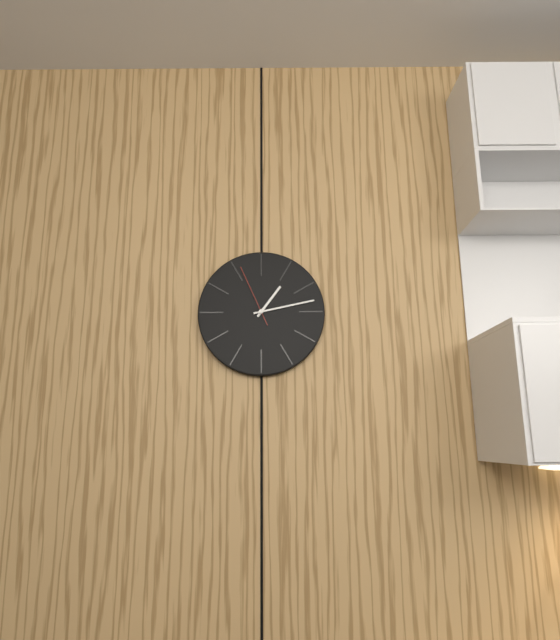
**1:13:56**
